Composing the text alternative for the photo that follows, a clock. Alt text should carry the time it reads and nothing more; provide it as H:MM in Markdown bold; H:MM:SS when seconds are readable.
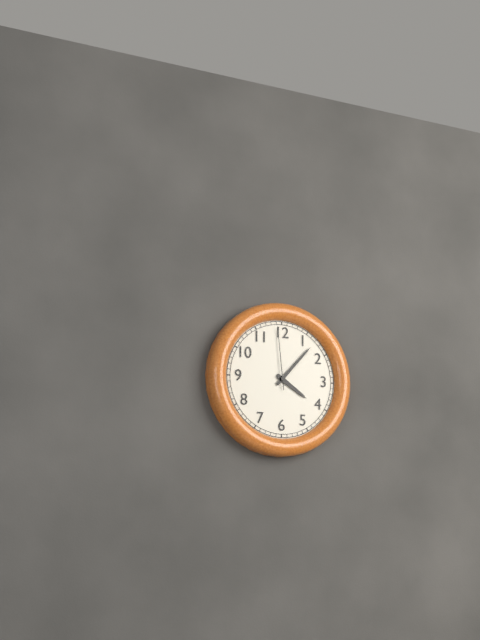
**4:07:59**
